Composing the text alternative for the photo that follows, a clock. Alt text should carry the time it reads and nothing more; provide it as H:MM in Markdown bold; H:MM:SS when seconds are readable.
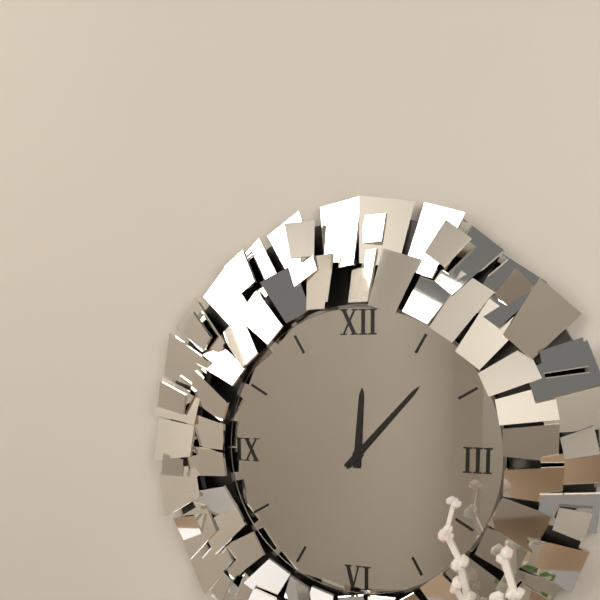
**12:07**
